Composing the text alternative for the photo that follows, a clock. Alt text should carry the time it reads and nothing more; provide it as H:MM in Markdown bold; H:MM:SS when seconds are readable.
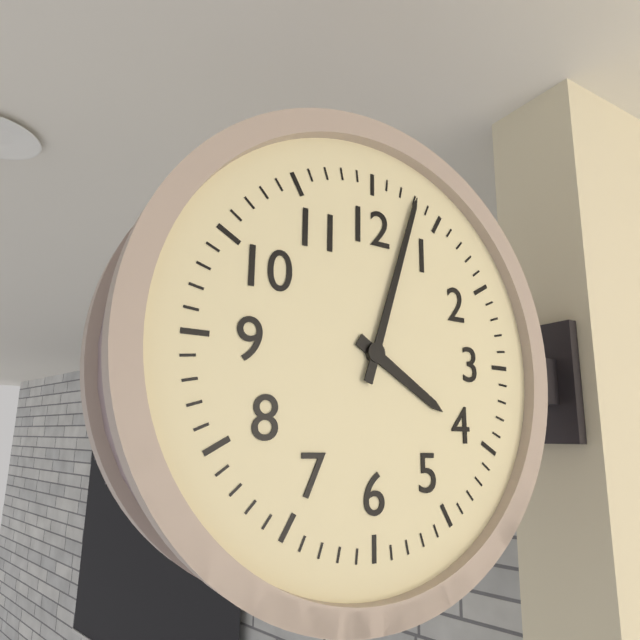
**4:03**
